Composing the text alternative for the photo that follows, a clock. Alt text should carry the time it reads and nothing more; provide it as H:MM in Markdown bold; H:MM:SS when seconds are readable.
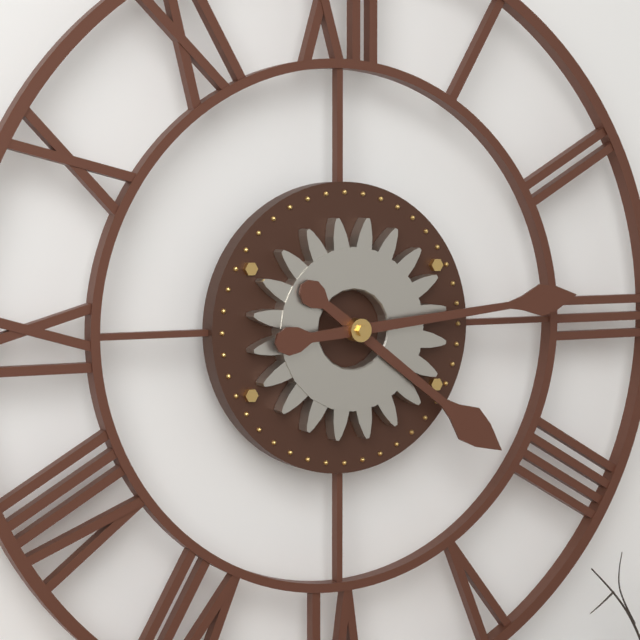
**4:14**
